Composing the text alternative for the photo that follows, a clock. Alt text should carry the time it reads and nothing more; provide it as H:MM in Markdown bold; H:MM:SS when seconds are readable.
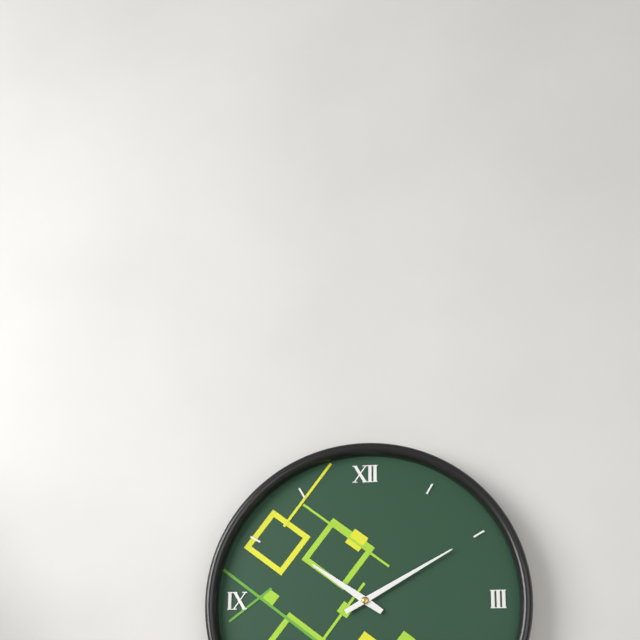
**10:10**
